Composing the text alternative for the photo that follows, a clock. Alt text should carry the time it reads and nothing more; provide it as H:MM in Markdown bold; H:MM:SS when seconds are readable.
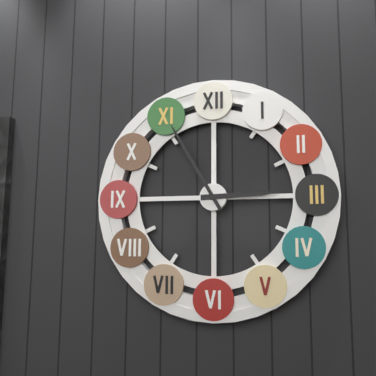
**2:55**
